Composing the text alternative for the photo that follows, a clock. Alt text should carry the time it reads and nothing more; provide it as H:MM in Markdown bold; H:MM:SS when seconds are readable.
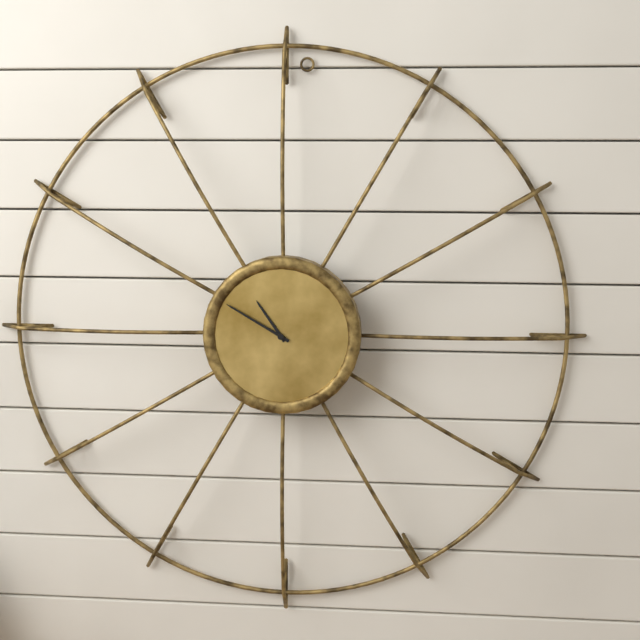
**10:50**
